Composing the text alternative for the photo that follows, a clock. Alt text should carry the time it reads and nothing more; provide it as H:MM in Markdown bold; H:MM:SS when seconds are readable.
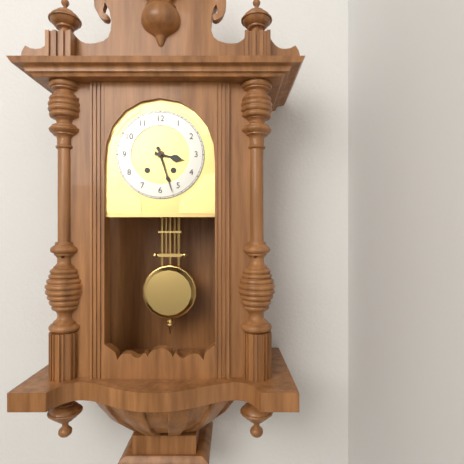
**3:27**
